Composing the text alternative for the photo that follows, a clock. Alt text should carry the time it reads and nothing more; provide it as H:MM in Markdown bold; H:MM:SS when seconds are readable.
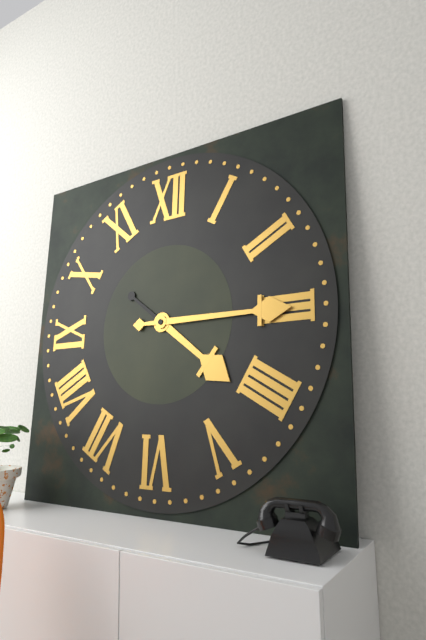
**4:15**
